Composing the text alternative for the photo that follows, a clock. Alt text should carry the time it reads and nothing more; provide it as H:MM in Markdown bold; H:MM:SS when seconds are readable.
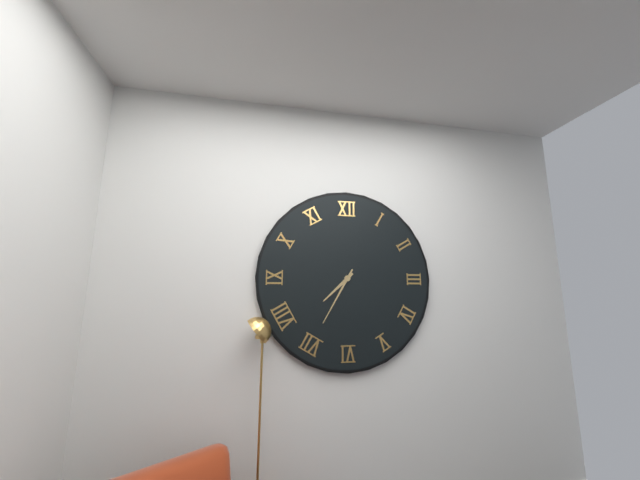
**7:35**
